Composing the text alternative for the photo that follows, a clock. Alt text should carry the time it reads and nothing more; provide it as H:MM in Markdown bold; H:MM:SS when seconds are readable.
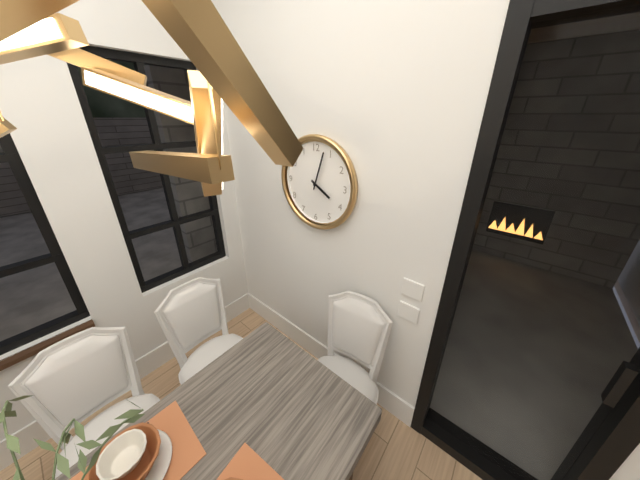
**4:03**
